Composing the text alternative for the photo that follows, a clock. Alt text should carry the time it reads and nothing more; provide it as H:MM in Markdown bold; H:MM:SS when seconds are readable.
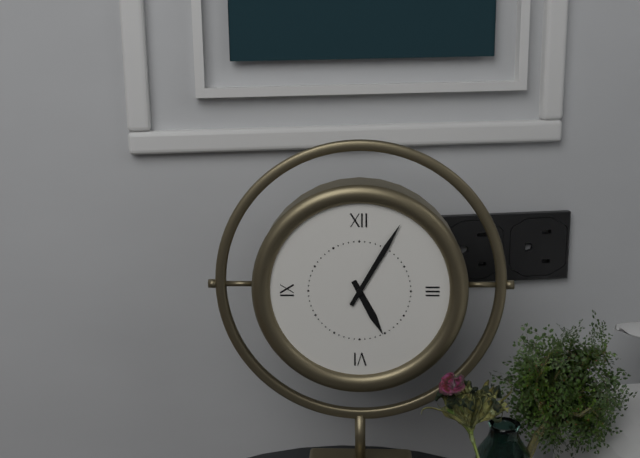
**5:05**
